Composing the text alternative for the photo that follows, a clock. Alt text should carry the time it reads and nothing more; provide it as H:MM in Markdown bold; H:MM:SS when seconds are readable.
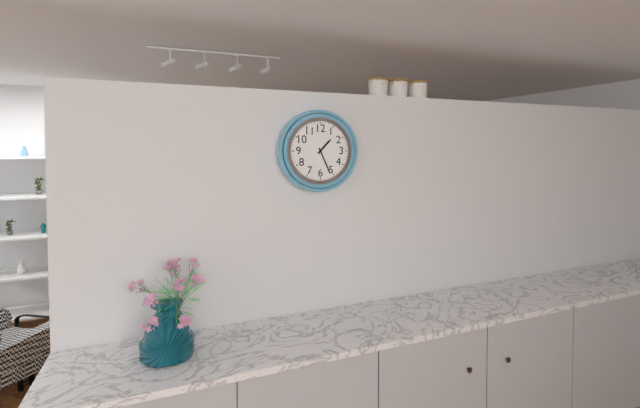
**1:26**
